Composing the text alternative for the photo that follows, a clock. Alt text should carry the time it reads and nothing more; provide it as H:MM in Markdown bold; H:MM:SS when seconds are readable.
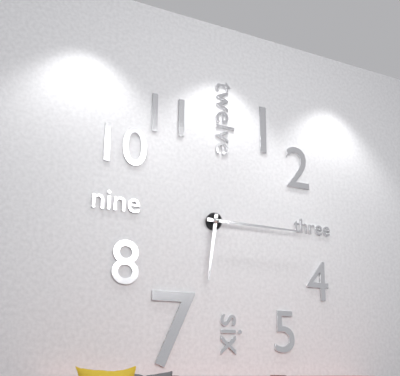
**6:15**
